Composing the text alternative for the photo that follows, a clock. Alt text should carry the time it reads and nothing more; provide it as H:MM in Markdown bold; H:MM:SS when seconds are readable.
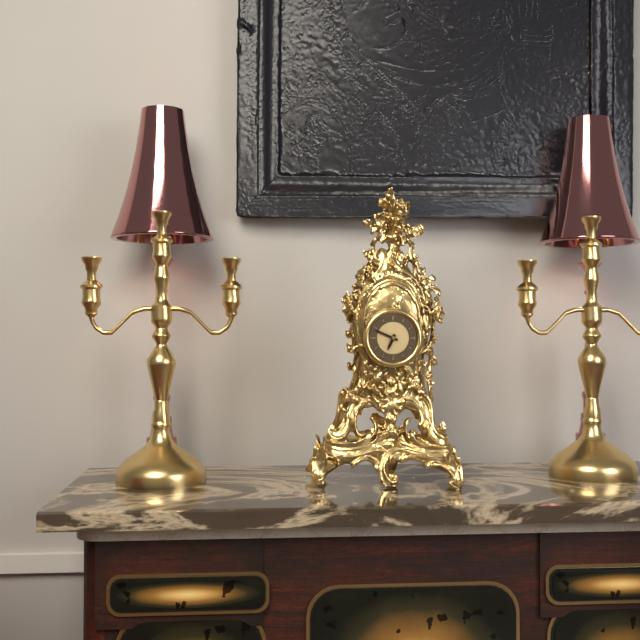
**6:49**
